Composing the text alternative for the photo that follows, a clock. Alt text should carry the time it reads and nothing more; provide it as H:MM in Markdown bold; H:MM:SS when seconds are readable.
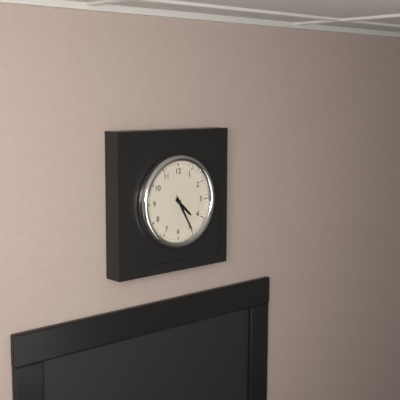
**4:25**
